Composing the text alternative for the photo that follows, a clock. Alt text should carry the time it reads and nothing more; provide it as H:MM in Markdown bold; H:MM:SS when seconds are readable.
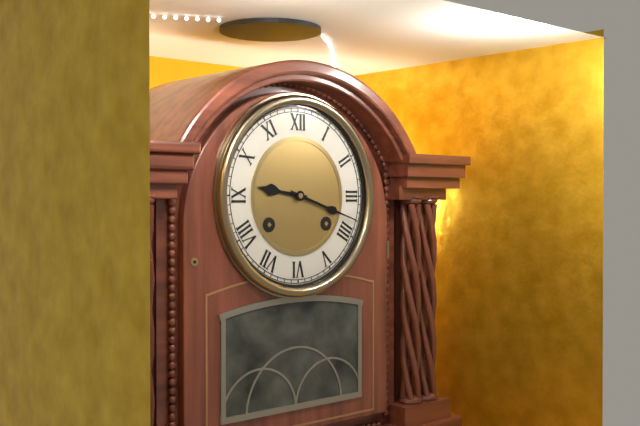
**9:18**
